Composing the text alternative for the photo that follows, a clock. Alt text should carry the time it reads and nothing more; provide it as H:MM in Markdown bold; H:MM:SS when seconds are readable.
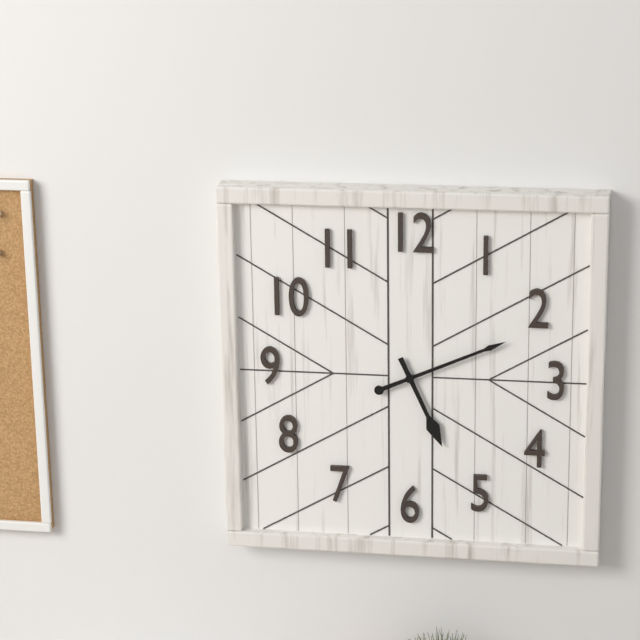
**5:11**
